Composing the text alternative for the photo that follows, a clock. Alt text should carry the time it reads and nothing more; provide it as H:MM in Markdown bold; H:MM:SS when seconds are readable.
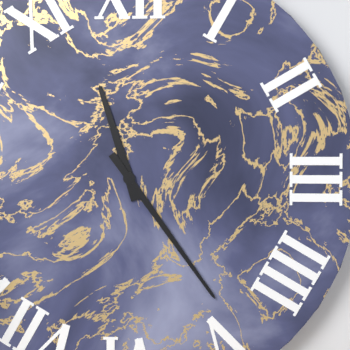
**11:24**
